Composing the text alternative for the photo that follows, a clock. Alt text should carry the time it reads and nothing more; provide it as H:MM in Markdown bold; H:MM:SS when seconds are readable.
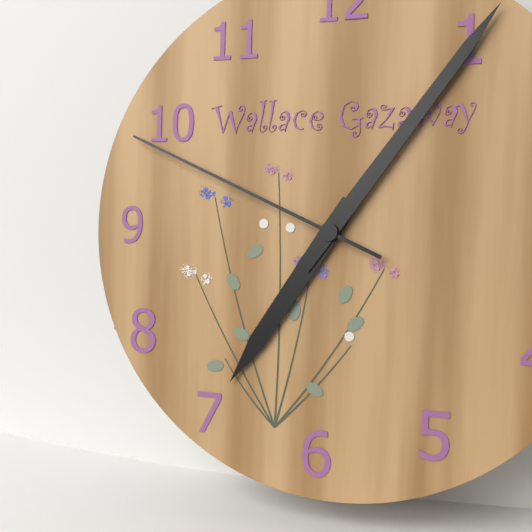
**7:06:49**
